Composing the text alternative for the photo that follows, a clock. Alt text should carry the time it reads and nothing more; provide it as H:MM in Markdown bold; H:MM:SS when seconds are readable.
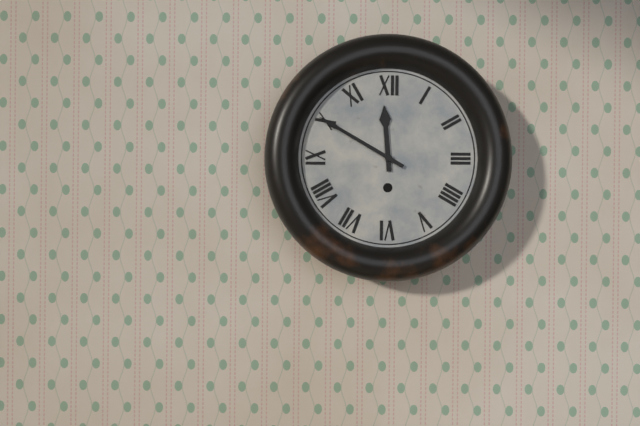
**11:50**
